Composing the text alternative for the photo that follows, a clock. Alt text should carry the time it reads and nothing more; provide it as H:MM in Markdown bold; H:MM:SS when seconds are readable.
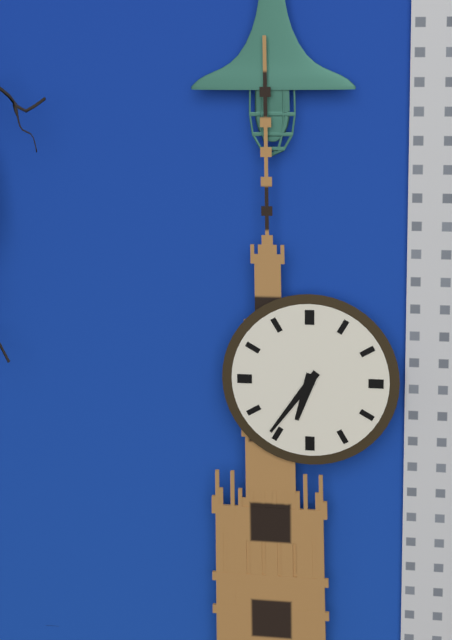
**6:36**
